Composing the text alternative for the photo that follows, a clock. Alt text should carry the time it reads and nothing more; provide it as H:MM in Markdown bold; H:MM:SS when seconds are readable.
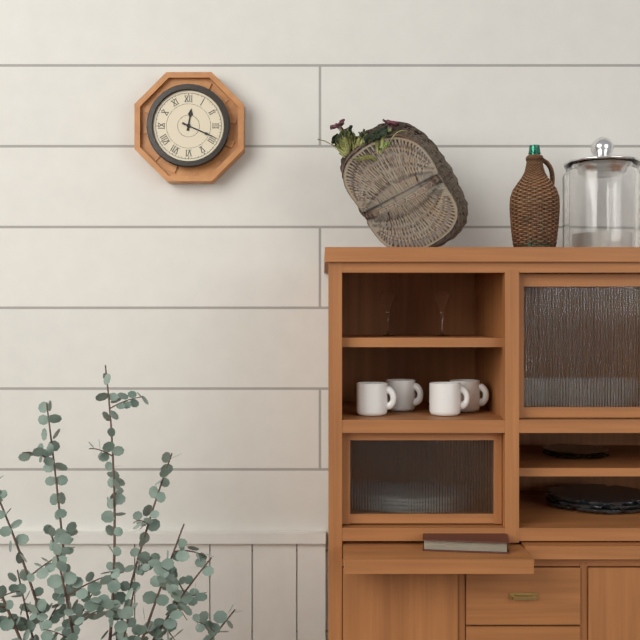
**12:19**
